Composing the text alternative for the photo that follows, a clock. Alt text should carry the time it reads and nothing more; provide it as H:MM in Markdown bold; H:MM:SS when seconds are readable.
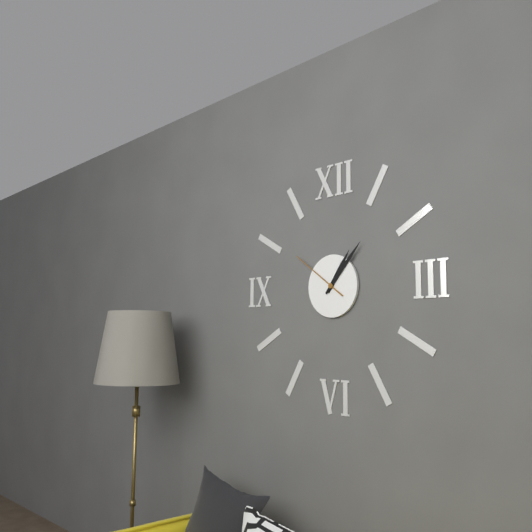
**1:07:51**
